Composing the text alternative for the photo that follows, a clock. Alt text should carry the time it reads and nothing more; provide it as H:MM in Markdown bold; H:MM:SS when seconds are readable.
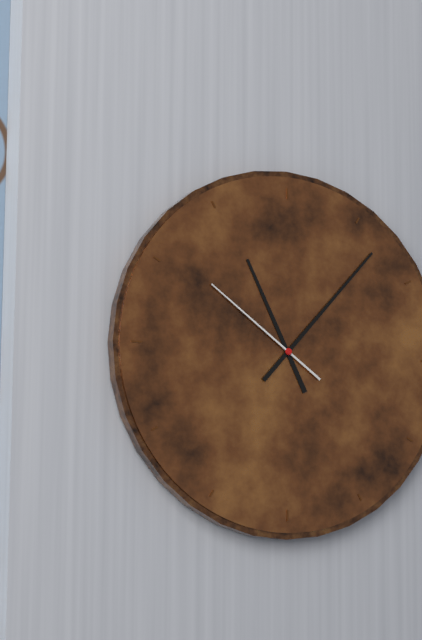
**11:07:51**
